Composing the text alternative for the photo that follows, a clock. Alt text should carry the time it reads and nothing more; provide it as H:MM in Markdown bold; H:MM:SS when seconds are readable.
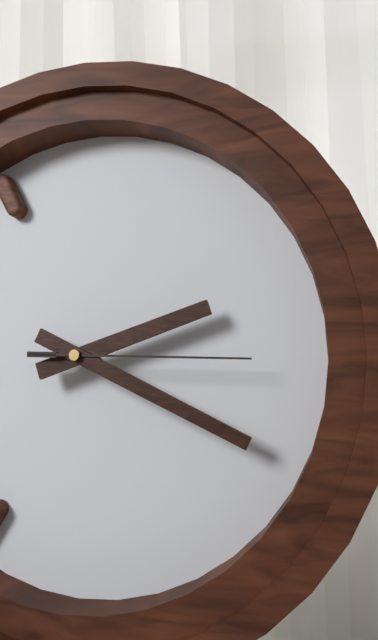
**2:19:15**
